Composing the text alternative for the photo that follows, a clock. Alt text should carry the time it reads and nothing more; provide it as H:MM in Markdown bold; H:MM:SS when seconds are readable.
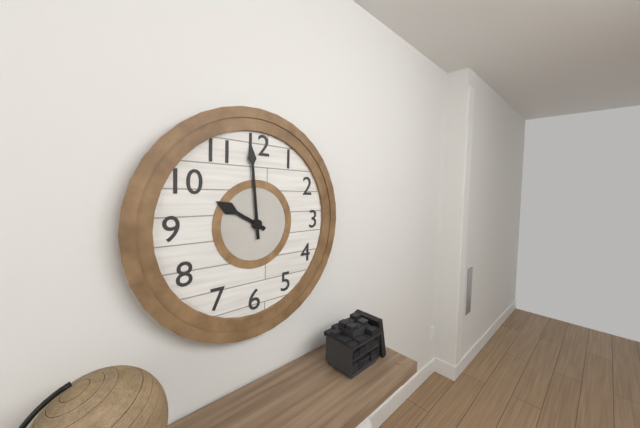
**9:59**
